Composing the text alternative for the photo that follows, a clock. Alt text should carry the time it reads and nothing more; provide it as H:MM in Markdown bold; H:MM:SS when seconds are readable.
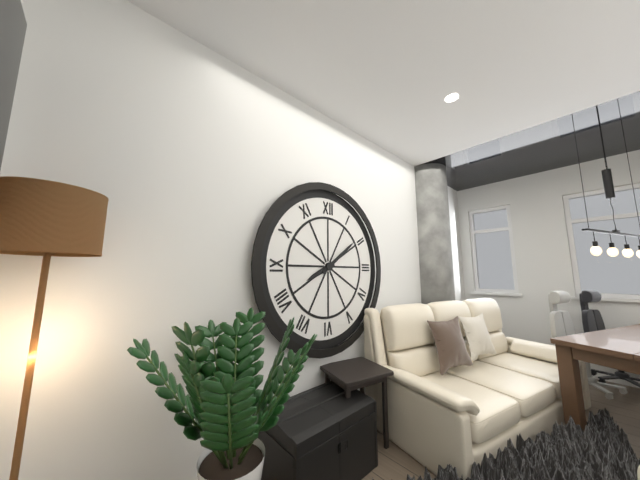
**8:09**
